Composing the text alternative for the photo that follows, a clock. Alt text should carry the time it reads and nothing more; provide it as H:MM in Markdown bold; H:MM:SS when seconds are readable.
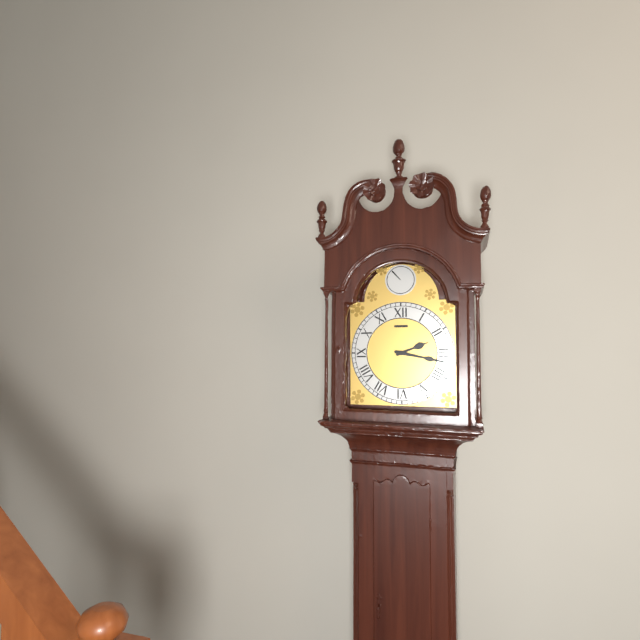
**2:17**
